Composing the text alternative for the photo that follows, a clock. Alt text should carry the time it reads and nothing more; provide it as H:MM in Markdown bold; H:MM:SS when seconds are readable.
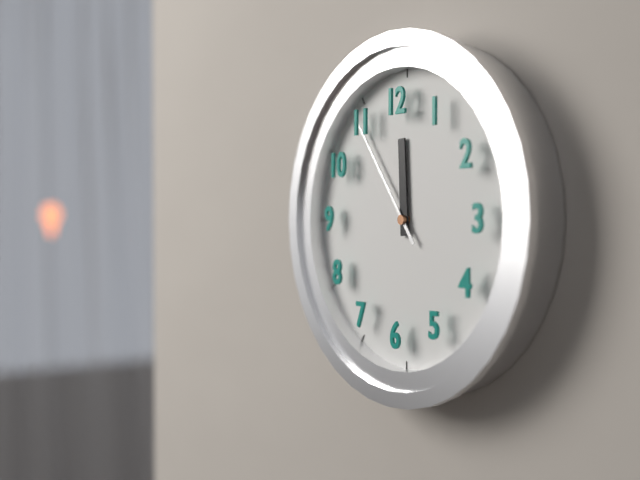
**11:54**
